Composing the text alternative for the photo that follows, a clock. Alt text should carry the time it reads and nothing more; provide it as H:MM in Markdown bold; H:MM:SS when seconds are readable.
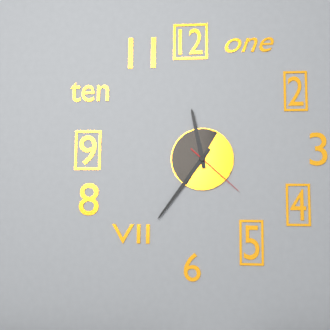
**11:36:22**
